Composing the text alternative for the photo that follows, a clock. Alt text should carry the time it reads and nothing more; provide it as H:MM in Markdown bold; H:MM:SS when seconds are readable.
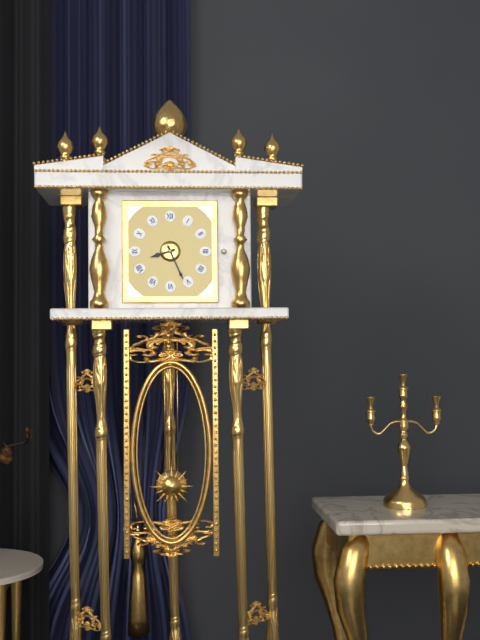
**8:26**
